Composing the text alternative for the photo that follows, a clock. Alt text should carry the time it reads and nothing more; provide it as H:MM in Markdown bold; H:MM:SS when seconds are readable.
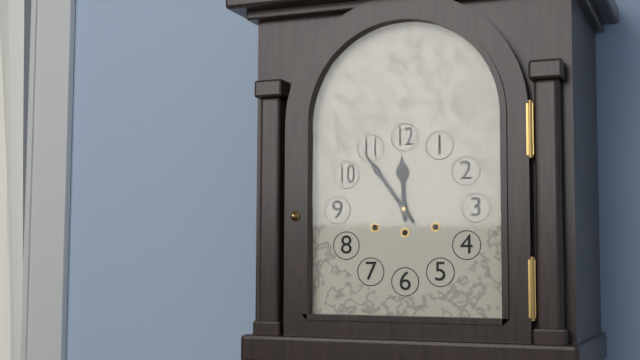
**11:54**
